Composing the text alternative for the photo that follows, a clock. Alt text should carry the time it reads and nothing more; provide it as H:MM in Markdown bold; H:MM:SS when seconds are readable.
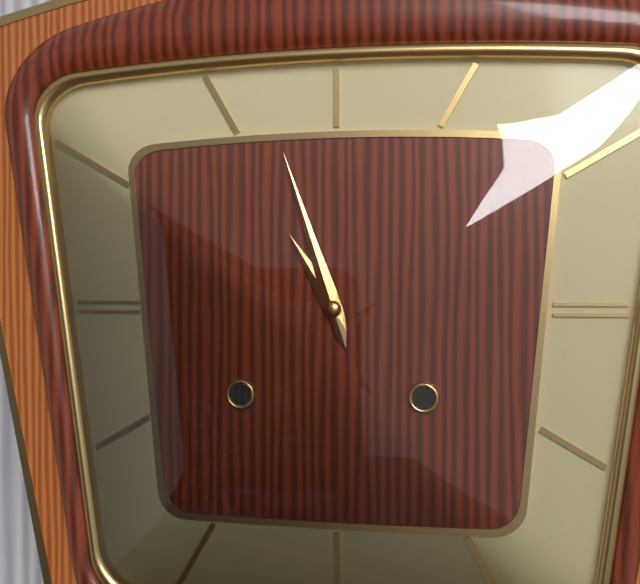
**10:57**
